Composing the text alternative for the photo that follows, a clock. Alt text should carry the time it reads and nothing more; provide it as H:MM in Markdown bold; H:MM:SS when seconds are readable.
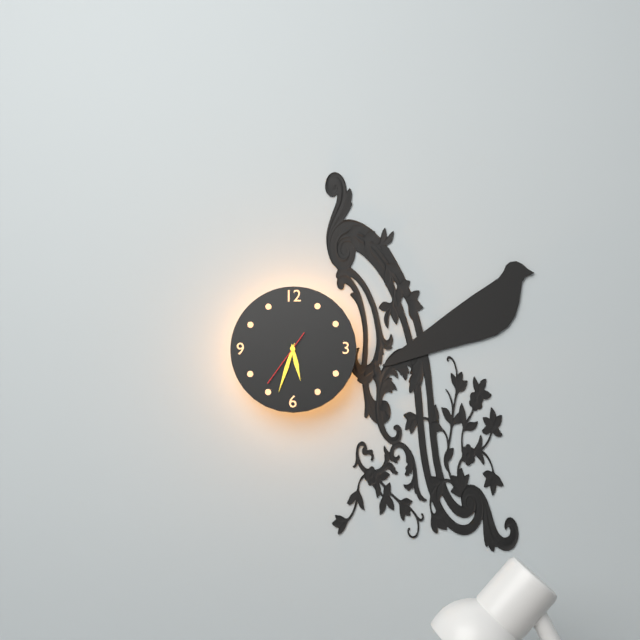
**5:33:36**
